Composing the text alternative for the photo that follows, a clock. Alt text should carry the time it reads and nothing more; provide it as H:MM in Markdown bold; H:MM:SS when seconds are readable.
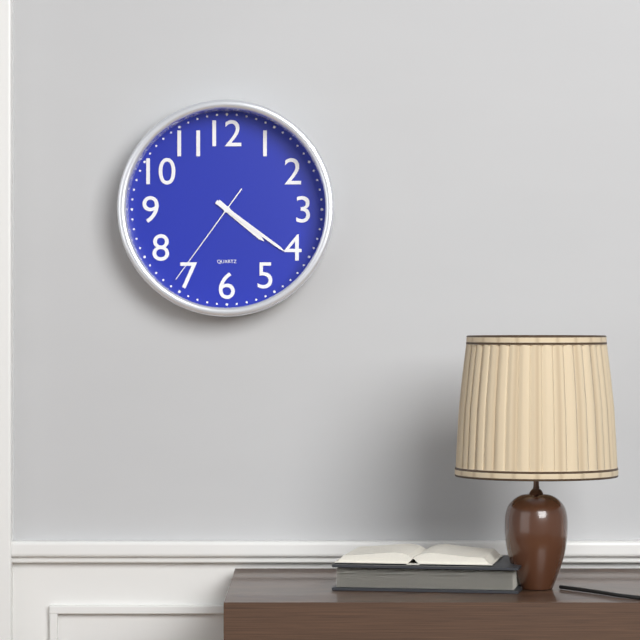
**4:21:36**
